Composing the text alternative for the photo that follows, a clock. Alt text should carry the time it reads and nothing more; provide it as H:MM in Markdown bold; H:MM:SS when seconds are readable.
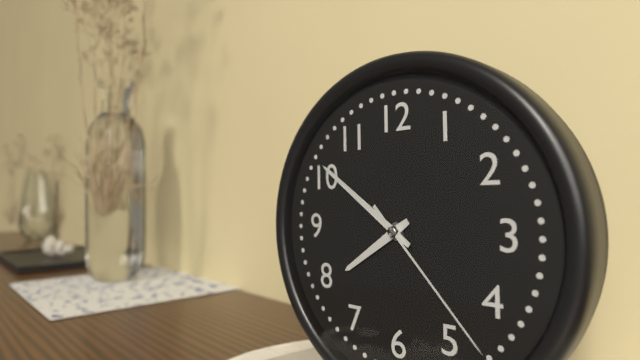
**7:51:23**
